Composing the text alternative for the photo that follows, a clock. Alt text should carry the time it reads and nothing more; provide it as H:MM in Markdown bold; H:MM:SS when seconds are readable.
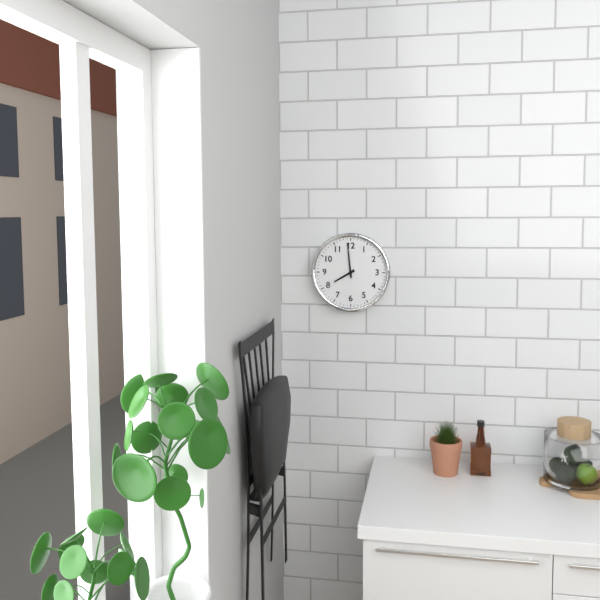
**7:59**
